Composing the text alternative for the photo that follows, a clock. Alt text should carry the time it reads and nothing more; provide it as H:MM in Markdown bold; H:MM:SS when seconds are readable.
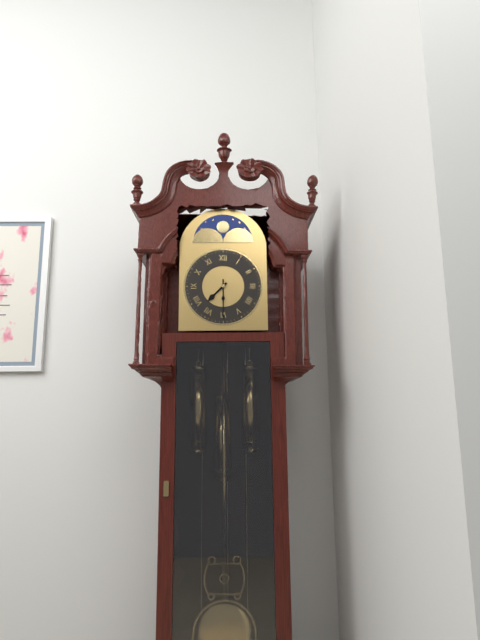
**7:30**
